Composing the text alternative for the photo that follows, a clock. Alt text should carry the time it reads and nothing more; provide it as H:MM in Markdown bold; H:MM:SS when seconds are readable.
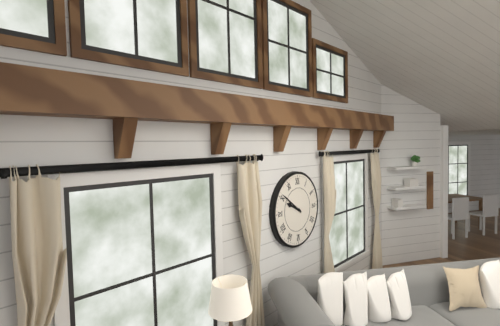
**9:51**
